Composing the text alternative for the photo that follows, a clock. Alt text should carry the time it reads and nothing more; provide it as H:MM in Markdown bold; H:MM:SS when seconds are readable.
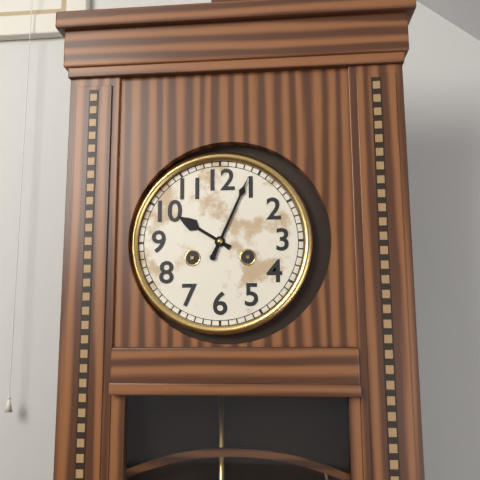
**10:04**
